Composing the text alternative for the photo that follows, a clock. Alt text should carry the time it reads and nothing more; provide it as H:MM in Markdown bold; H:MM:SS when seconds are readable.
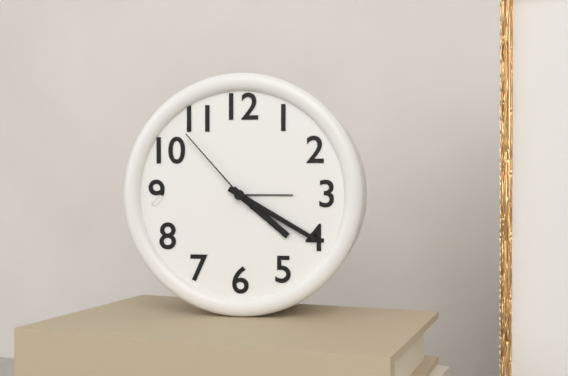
**4:20:53**
